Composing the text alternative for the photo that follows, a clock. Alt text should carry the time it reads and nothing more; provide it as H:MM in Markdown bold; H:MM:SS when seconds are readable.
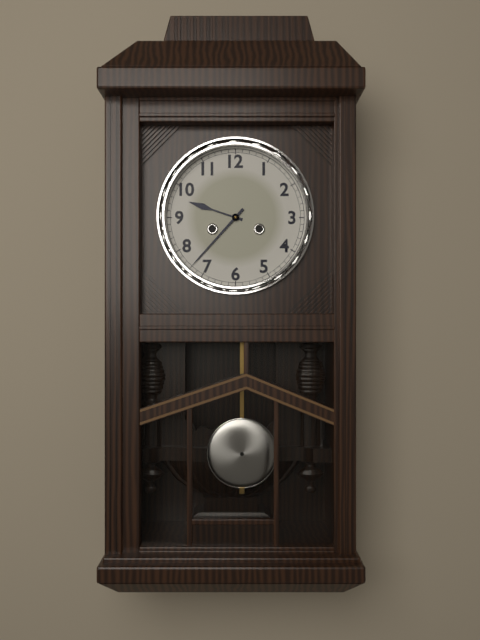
**9:37**
